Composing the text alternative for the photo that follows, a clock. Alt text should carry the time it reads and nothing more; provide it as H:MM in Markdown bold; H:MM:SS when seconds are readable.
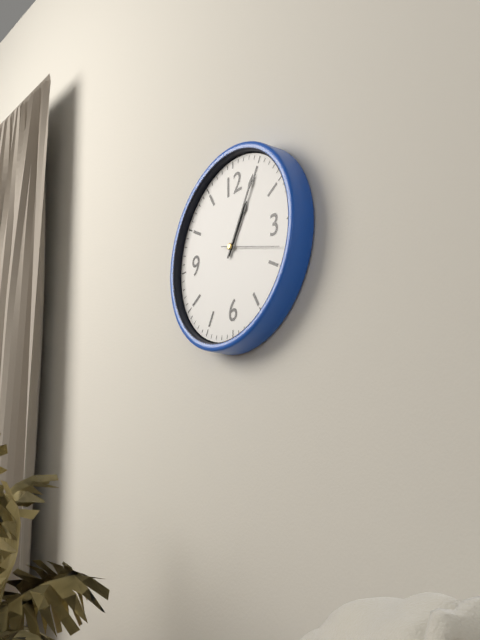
**1:05:18**
